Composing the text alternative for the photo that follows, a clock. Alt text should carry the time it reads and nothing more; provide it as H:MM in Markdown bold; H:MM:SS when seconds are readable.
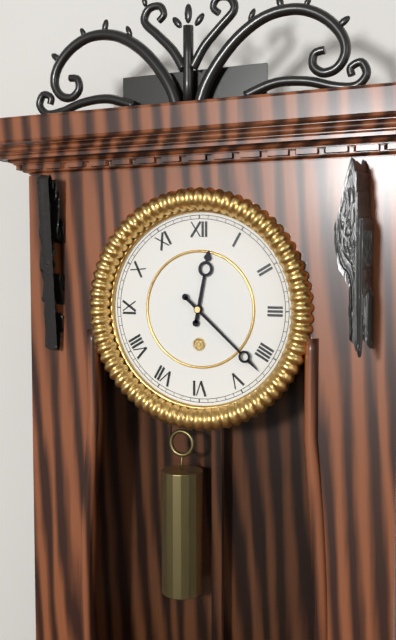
**12:22**
